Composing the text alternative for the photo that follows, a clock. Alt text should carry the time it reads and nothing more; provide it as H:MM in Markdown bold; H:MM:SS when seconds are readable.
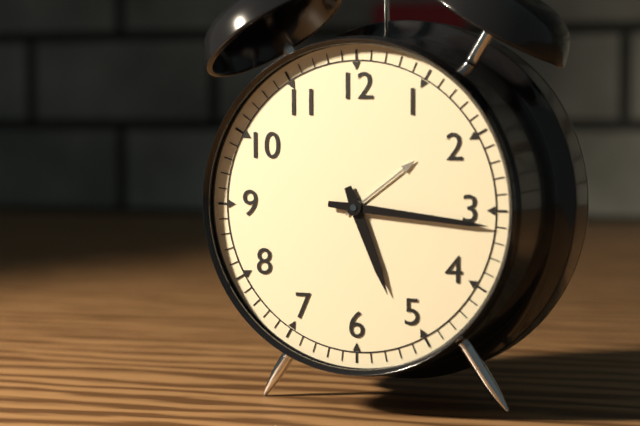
**5:16**
